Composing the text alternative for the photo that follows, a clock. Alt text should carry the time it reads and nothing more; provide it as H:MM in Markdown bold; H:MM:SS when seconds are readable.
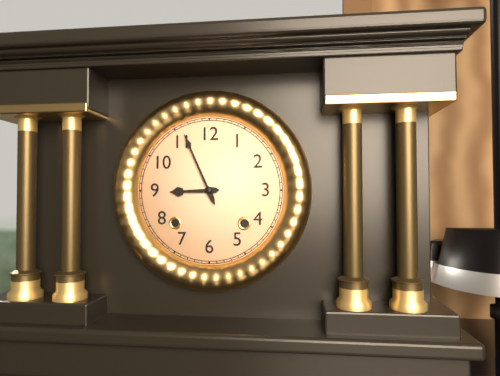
**8:56**
